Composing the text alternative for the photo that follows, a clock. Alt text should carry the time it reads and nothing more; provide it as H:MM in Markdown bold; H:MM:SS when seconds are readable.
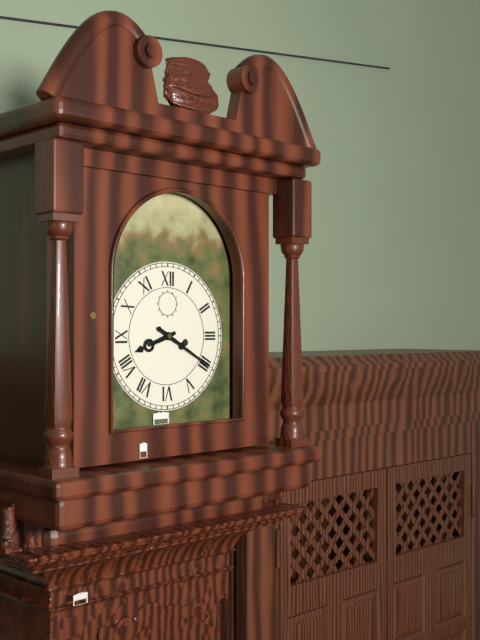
**8:20**
